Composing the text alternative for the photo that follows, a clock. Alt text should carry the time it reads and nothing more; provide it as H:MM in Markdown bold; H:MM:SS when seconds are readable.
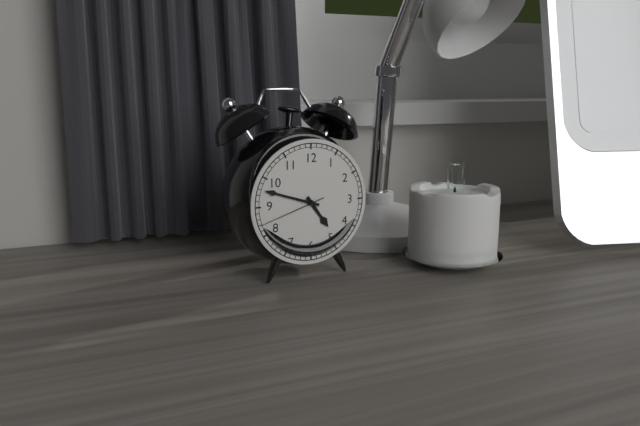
**4:48:42**
